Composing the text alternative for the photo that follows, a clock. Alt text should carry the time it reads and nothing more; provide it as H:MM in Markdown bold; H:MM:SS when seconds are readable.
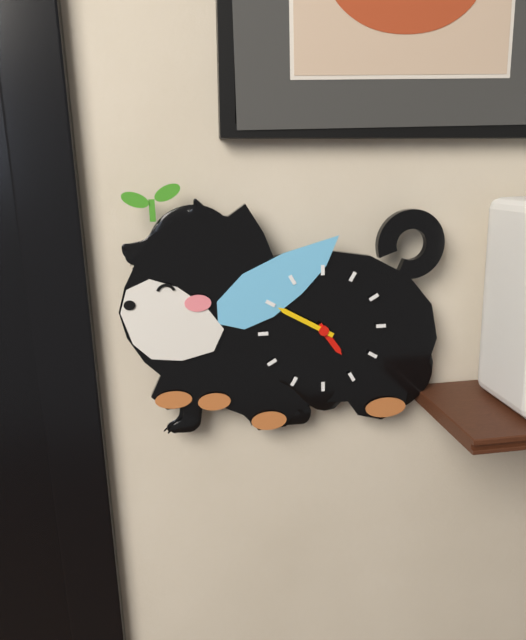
**4:50**
